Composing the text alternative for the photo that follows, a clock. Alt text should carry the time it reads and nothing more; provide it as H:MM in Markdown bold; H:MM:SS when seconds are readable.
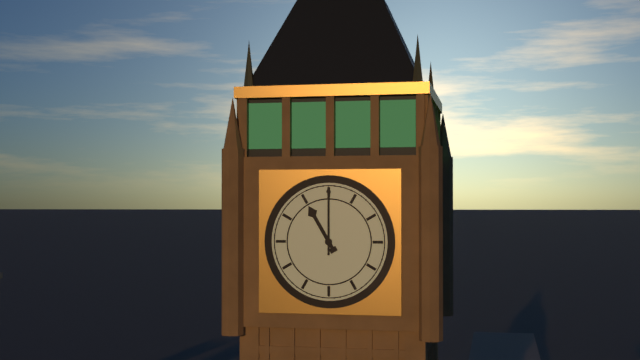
**11:00**
